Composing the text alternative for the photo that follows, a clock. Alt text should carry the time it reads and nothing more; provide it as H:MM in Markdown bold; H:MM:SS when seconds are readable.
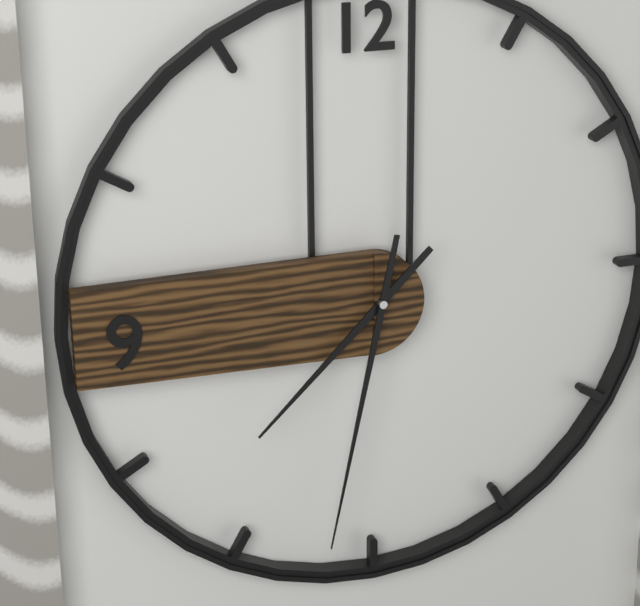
**7:32**
